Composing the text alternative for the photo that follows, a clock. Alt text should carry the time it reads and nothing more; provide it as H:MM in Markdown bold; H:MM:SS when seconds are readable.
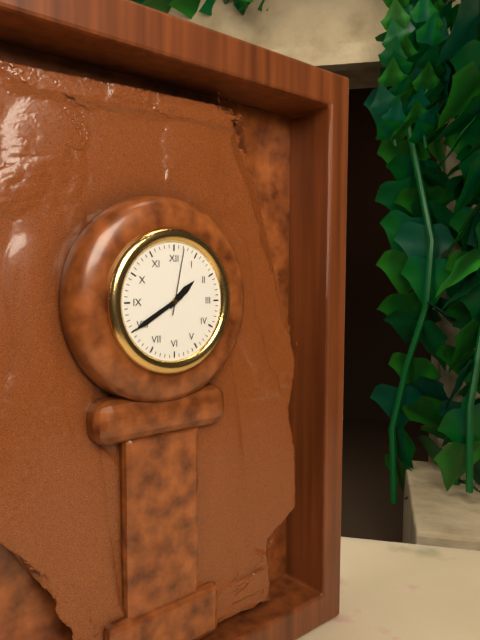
**1:40:02**
